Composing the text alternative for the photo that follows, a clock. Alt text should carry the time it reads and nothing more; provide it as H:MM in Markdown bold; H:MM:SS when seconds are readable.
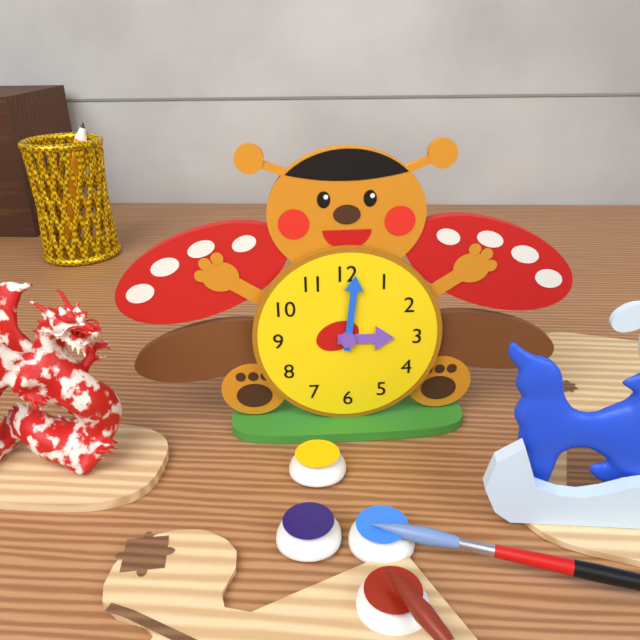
**3:01**
